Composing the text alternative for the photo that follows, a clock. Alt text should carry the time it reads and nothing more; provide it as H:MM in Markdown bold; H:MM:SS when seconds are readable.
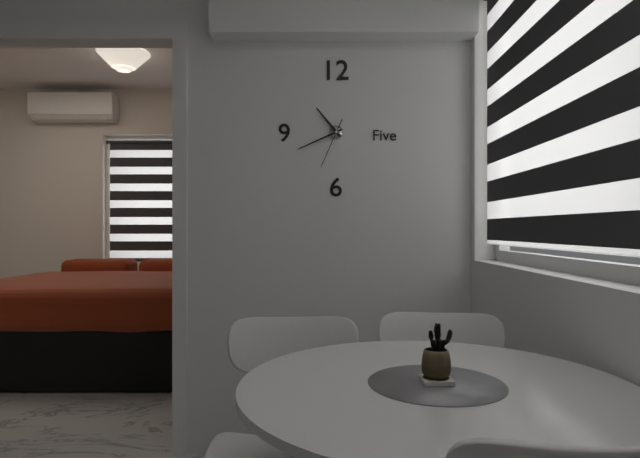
**10:41:34**
